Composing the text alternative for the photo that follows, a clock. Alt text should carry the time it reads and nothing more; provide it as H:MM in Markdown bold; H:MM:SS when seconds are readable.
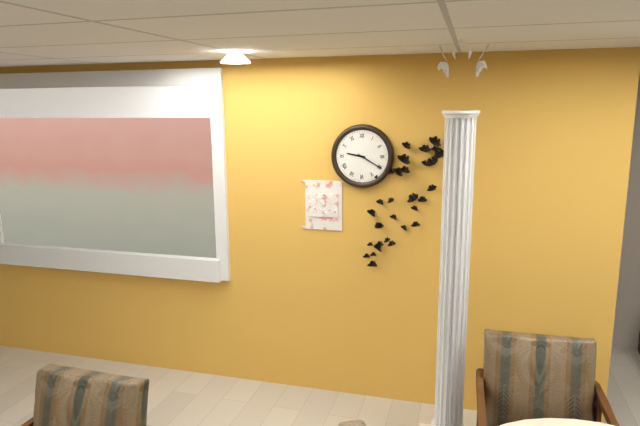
**9:20**
